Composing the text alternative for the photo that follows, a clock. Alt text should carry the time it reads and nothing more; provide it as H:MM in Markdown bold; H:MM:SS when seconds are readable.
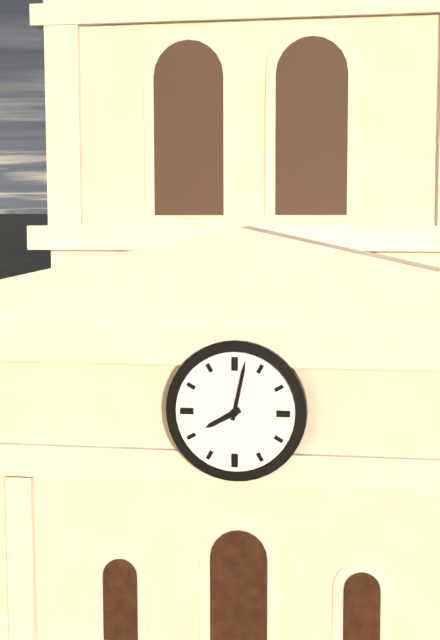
**8:02**
